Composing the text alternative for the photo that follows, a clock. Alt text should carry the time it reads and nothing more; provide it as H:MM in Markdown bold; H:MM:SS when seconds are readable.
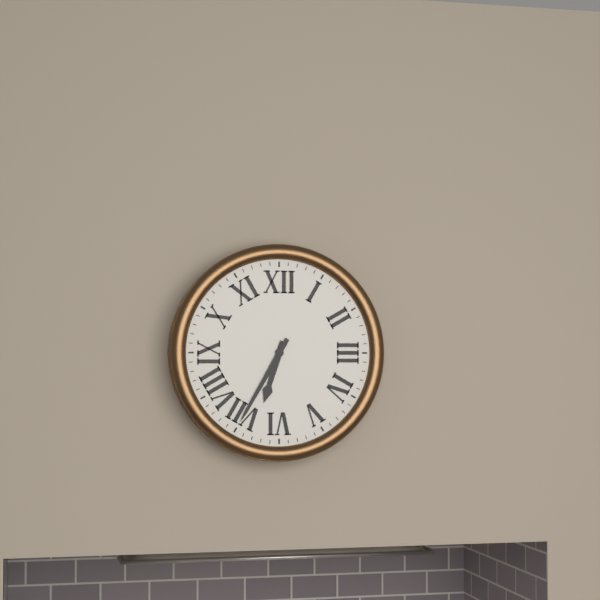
**6:35**
